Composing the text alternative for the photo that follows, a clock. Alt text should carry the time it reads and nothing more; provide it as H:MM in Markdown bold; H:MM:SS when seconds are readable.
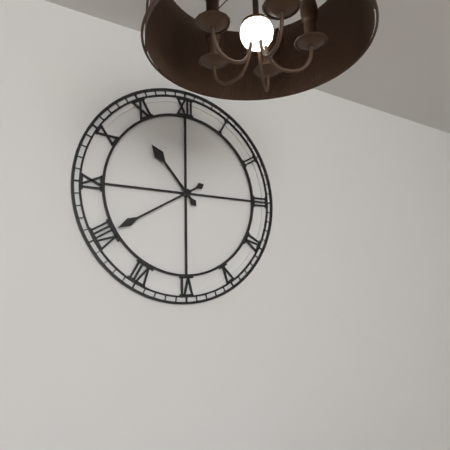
**10:40**
